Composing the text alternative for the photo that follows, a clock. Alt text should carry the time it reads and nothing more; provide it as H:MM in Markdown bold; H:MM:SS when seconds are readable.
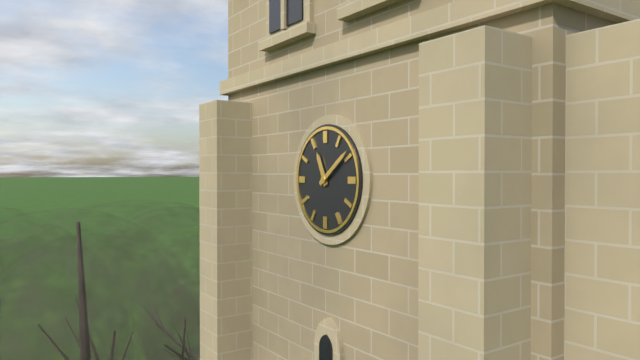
**11:09**
